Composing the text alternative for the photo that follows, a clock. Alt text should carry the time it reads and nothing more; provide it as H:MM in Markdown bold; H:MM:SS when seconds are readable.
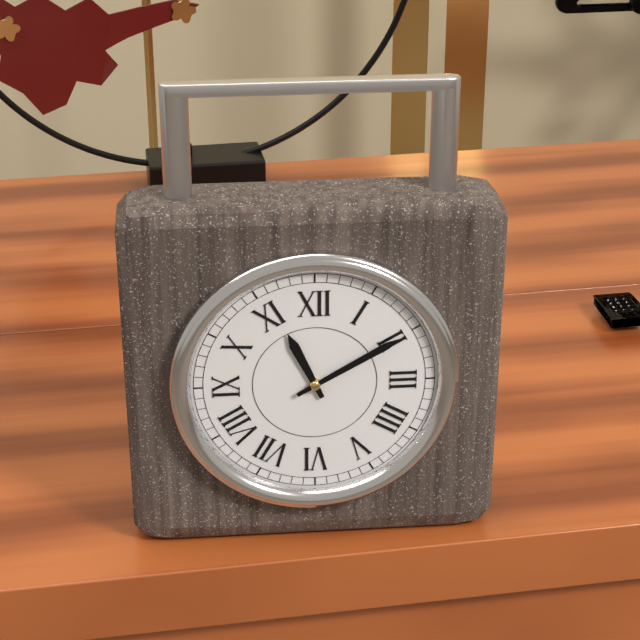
**11:10**
